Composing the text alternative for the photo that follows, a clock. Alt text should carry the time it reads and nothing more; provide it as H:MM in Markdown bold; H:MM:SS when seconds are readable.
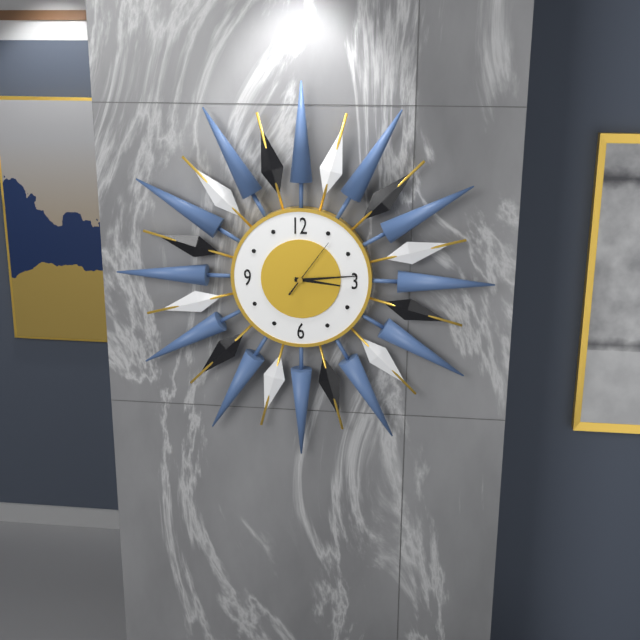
**3:14:06**
